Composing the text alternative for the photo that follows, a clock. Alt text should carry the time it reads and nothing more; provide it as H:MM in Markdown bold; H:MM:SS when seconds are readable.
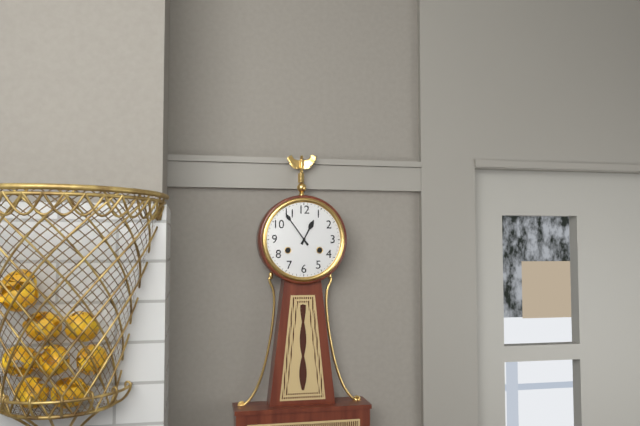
**12:54**
